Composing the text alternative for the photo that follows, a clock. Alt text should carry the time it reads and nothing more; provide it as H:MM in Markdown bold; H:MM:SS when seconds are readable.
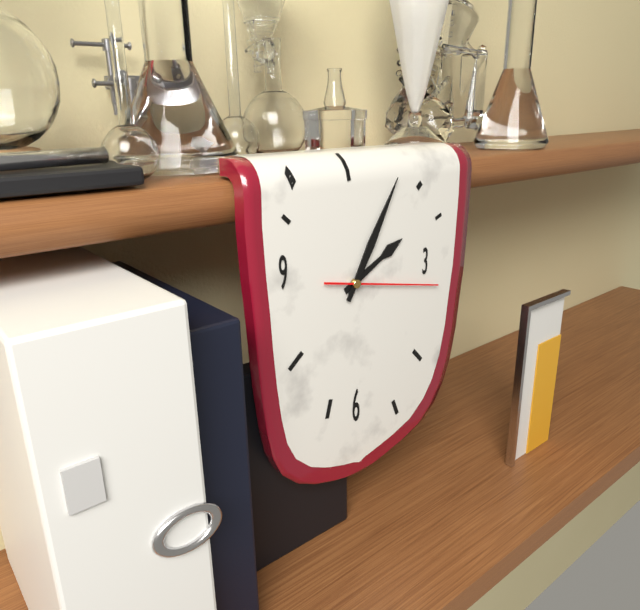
**2:05:17**
